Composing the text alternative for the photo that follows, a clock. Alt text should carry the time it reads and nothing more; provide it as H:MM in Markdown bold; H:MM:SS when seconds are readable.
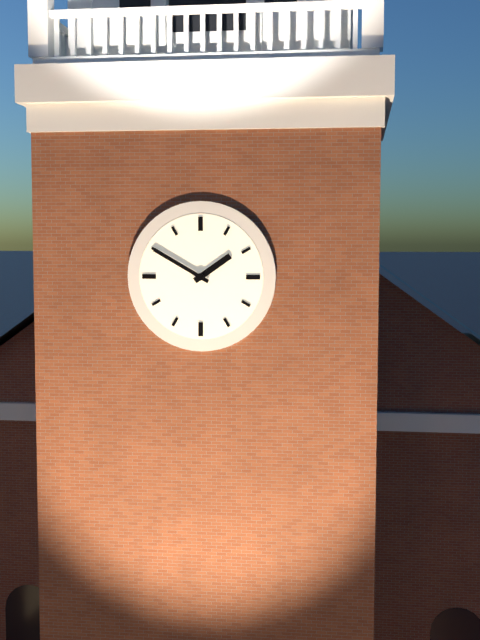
**1:50**
